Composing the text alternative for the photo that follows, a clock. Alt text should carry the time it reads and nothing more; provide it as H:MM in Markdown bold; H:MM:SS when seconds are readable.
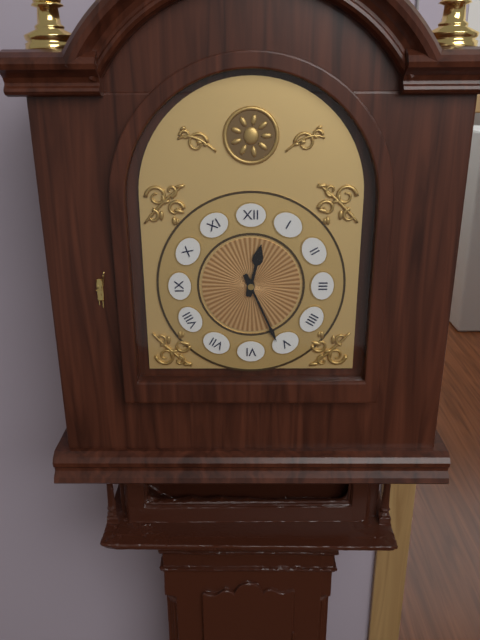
**12:26**
